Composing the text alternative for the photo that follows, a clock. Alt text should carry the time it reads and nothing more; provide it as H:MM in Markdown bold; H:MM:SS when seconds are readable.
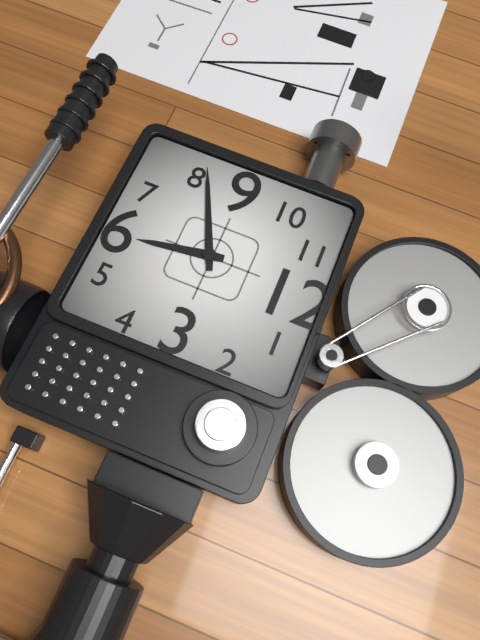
**5:41**
